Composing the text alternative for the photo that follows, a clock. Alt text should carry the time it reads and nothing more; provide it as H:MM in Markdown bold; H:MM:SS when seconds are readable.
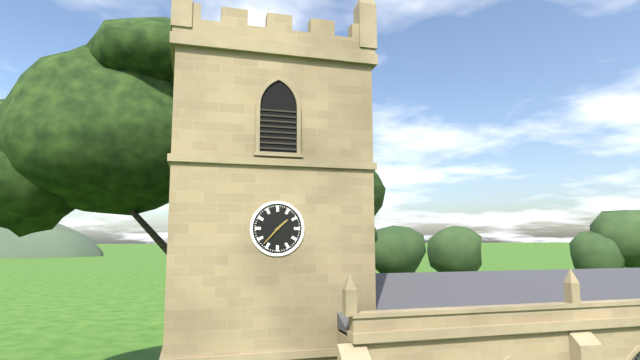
**1:37**
